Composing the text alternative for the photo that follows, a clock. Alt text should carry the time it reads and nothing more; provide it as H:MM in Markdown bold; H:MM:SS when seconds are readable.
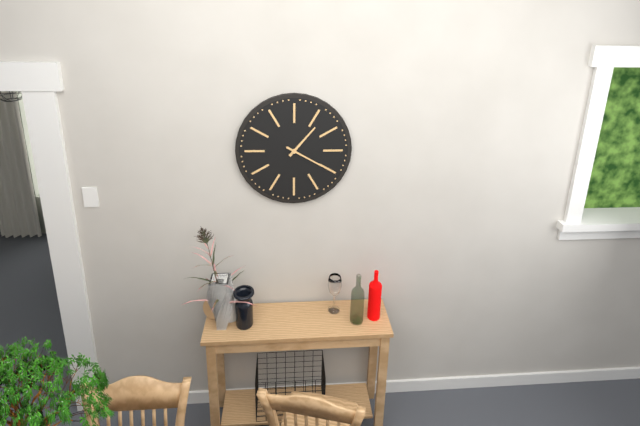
**1:20**
